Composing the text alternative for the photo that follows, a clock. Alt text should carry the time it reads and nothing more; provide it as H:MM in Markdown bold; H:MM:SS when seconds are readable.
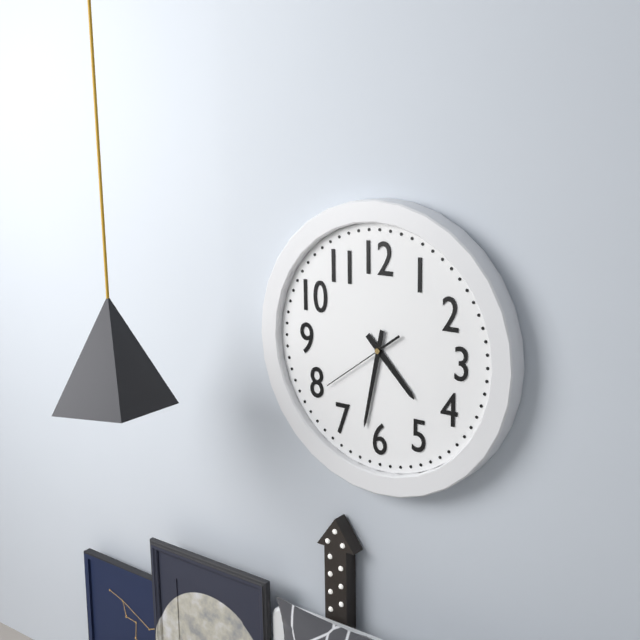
**4:32:39**
